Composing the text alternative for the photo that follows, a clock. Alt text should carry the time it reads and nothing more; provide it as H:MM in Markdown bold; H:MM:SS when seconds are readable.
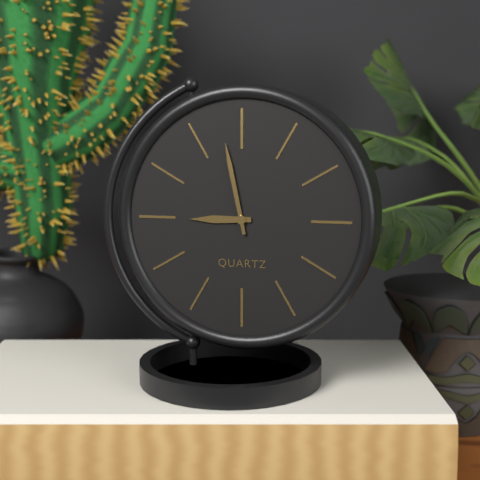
**8:58**
